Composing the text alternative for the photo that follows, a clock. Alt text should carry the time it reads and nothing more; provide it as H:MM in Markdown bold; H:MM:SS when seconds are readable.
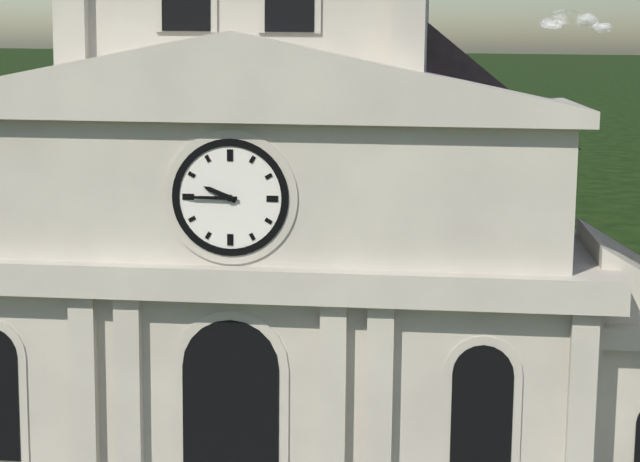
**9:45**
